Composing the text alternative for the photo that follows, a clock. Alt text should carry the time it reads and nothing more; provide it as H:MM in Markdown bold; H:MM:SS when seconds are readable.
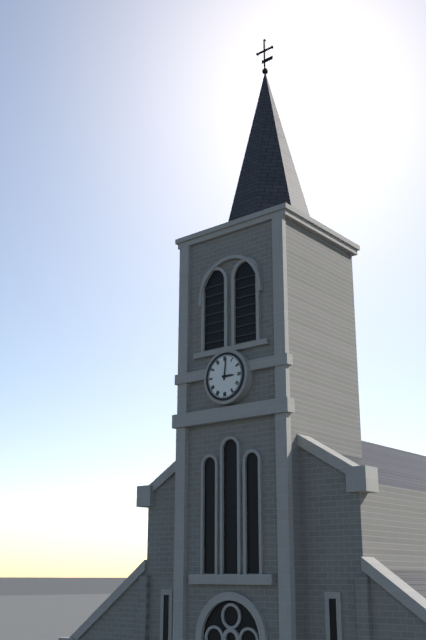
**3:01**
